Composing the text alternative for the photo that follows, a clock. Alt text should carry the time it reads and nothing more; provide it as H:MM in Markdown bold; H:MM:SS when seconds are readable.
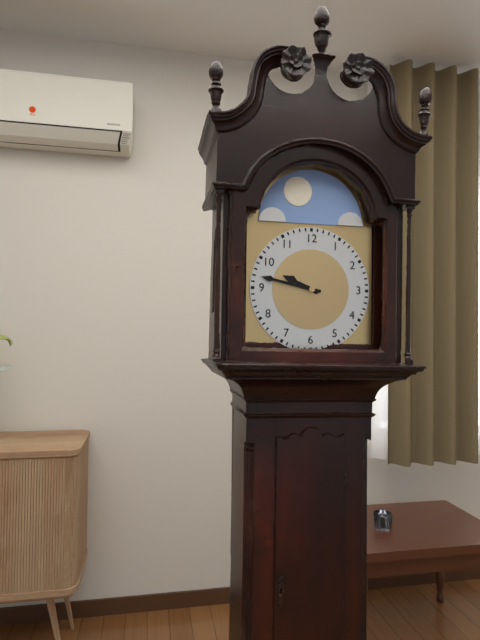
**9:47**
